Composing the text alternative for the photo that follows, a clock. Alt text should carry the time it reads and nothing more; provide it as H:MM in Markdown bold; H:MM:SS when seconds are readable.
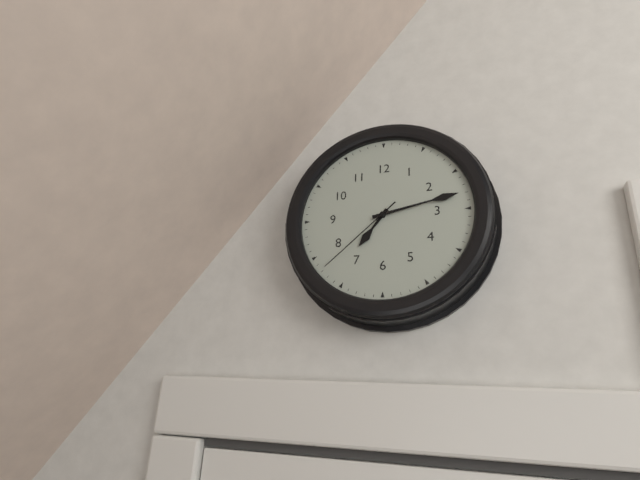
**7:13:38**
